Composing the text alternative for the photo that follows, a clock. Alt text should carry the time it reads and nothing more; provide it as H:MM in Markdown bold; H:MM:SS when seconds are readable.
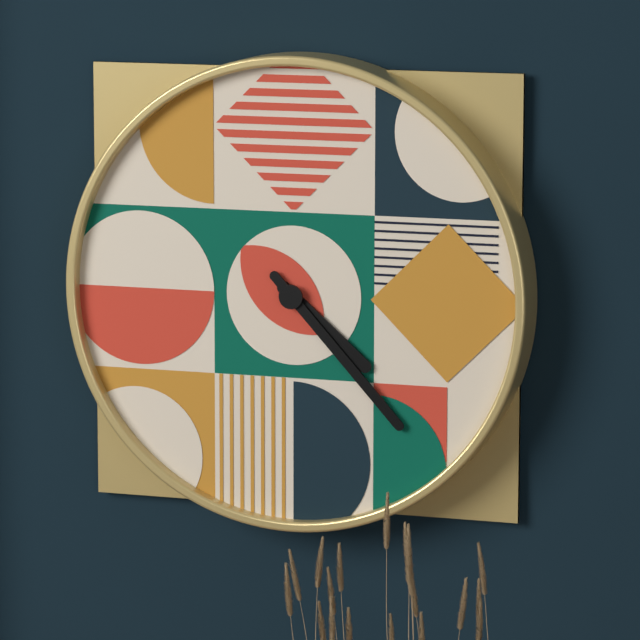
**4:23**
